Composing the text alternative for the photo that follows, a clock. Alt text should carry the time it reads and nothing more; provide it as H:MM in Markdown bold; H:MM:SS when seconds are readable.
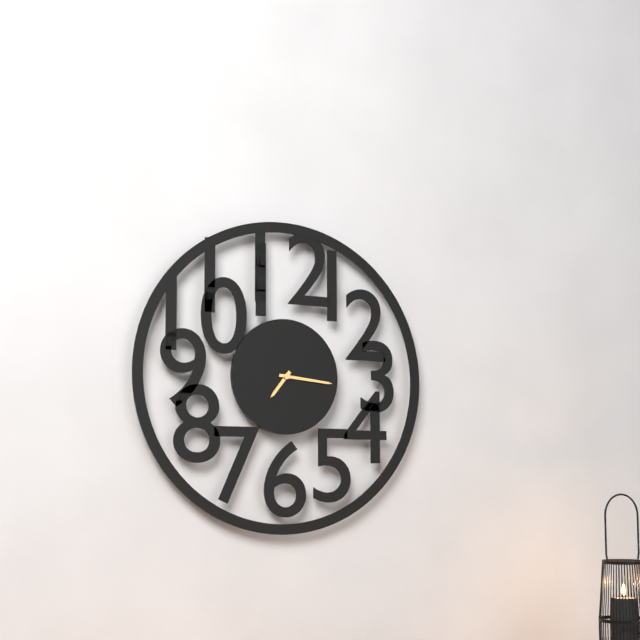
**7:16**
